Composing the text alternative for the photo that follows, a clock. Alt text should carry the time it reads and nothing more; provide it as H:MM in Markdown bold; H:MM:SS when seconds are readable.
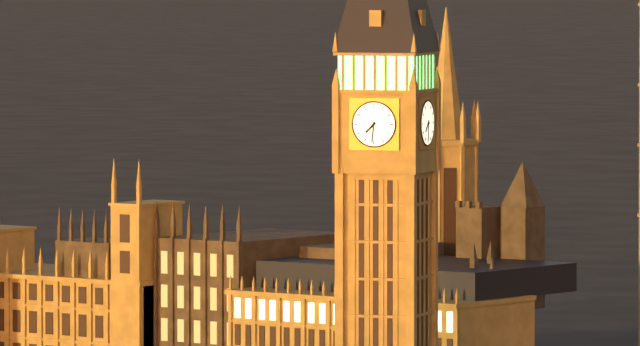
**7:31**
